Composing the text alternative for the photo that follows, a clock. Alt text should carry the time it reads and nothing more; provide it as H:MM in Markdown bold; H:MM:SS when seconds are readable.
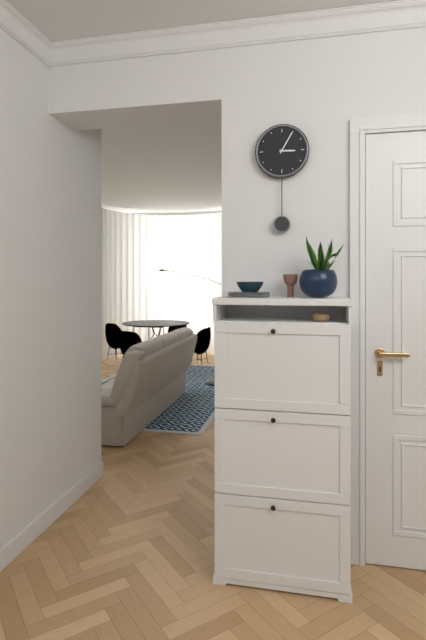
**3:05**
